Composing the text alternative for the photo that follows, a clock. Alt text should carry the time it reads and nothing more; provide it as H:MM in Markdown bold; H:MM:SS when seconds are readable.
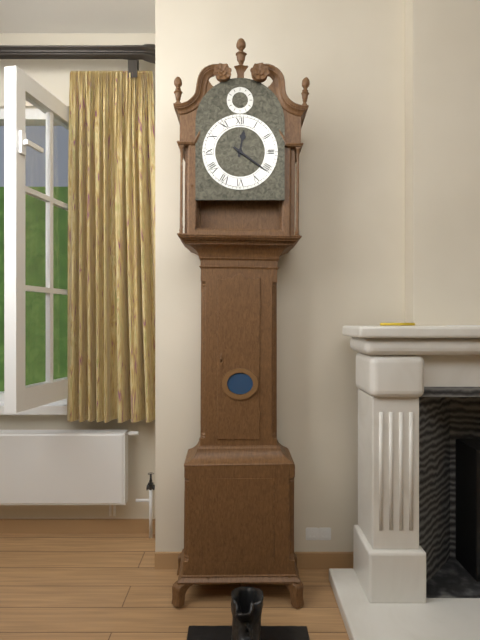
**12:21**
